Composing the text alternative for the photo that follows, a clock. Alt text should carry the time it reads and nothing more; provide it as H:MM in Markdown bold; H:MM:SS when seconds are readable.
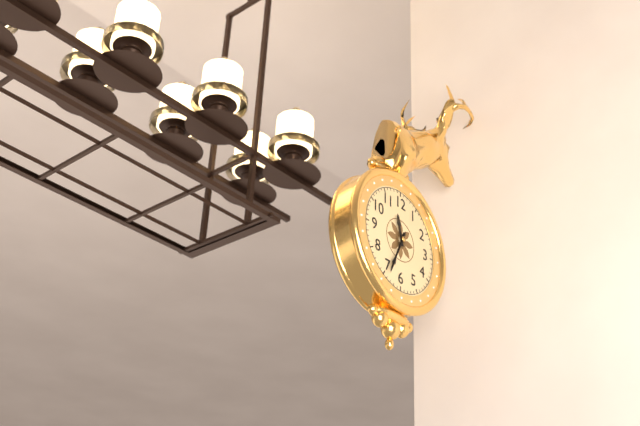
**11:34**
